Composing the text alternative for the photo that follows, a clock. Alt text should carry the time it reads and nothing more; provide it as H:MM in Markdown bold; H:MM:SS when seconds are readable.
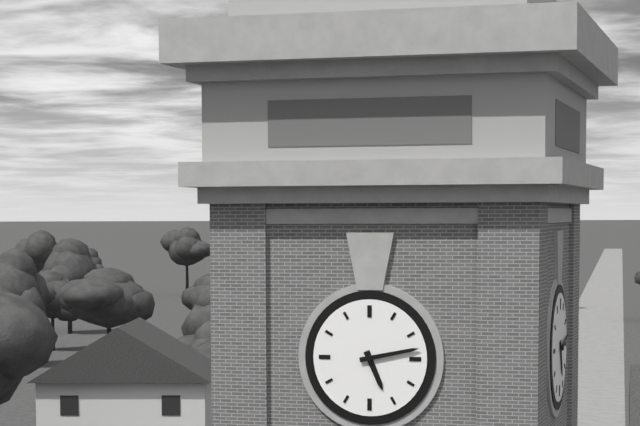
**5:13**
